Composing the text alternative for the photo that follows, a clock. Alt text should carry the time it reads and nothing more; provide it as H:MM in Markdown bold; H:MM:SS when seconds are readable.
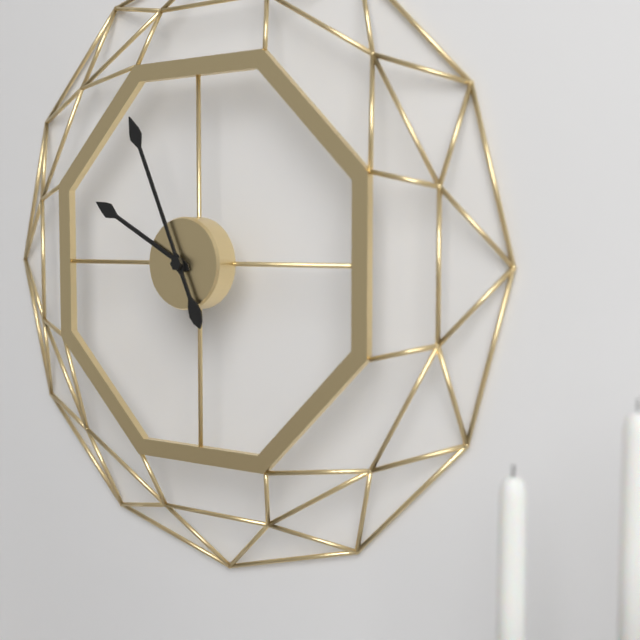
**9:56**
